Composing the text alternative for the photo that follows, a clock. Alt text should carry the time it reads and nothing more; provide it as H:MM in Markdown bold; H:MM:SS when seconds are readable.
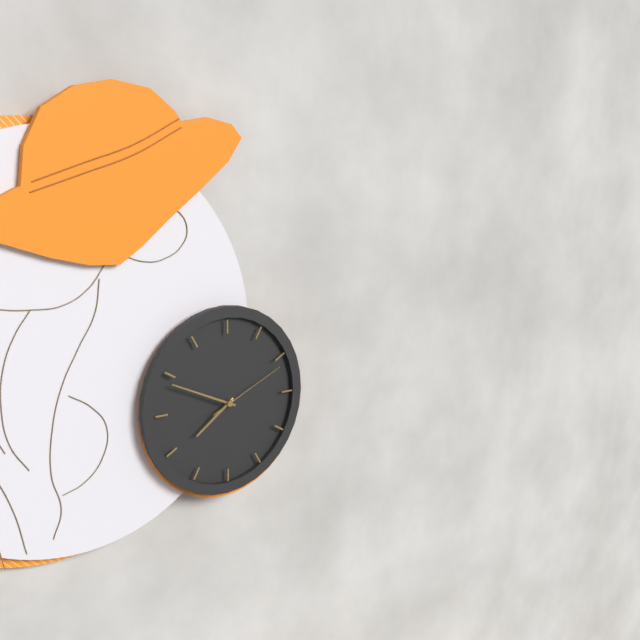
**7:49:11**
